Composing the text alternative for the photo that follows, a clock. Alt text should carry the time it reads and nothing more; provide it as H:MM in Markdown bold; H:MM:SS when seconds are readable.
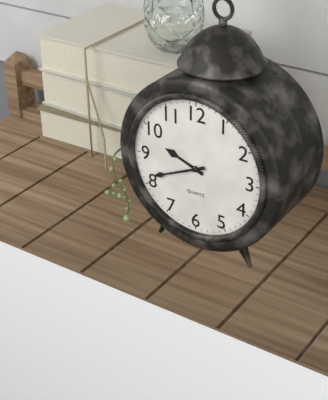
**9:41**
